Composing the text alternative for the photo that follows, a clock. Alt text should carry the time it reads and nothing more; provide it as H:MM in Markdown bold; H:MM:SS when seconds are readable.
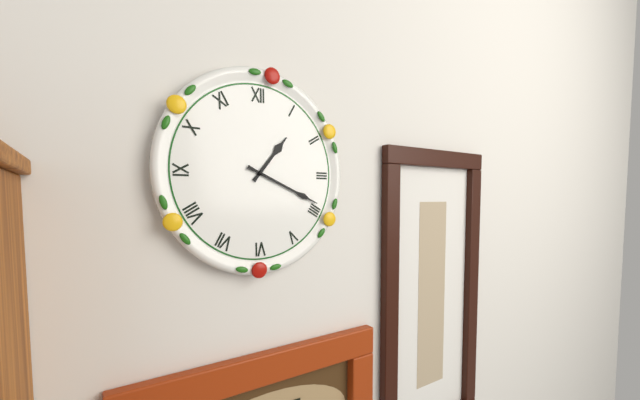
**1:19**
